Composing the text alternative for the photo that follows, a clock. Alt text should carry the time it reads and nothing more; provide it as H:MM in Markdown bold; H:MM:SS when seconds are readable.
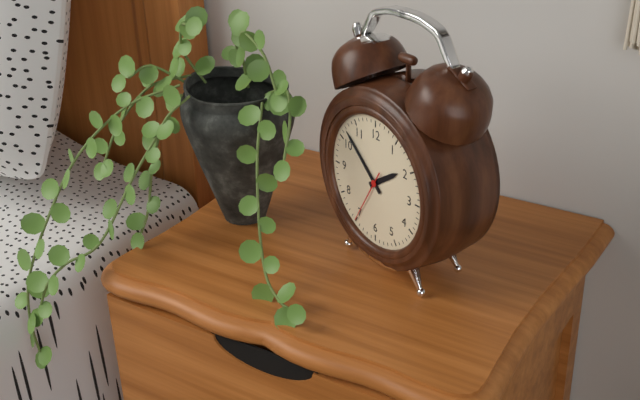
**1:52:35**
